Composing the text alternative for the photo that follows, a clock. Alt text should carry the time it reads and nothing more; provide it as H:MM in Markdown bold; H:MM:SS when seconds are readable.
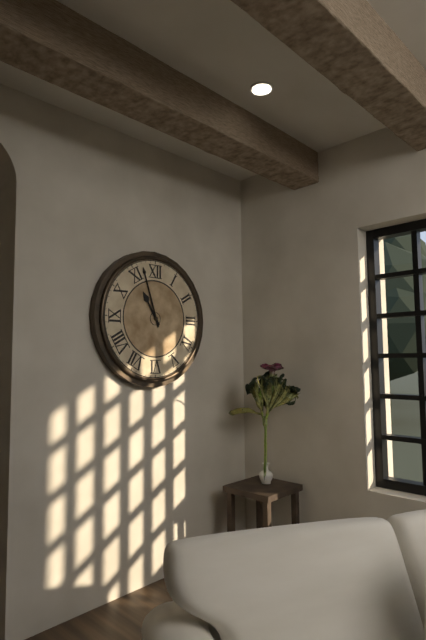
**10:57**
